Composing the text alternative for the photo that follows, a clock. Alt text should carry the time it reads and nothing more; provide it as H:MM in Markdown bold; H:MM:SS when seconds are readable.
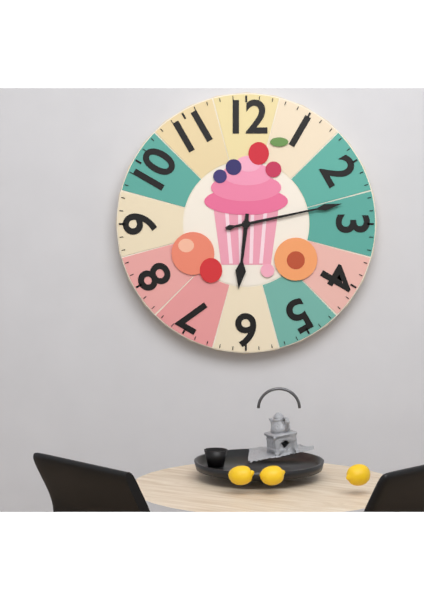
**6:13**
